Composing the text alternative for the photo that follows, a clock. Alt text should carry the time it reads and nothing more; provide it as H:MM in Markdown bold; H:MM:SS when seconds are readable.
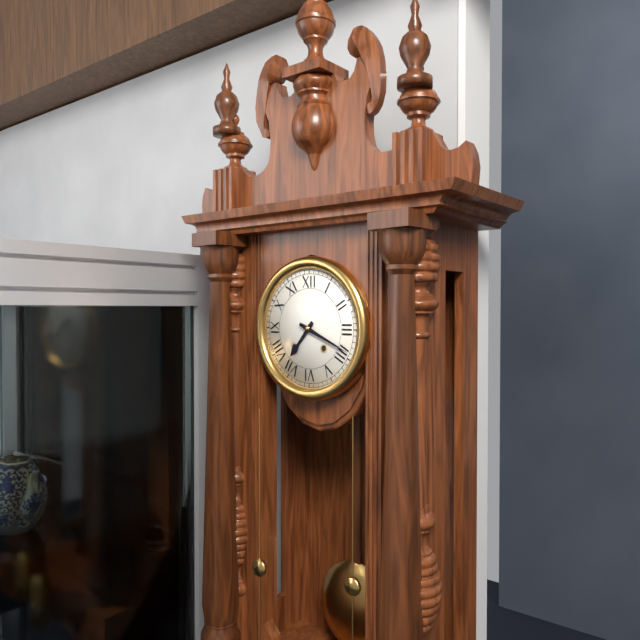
**7:19**
